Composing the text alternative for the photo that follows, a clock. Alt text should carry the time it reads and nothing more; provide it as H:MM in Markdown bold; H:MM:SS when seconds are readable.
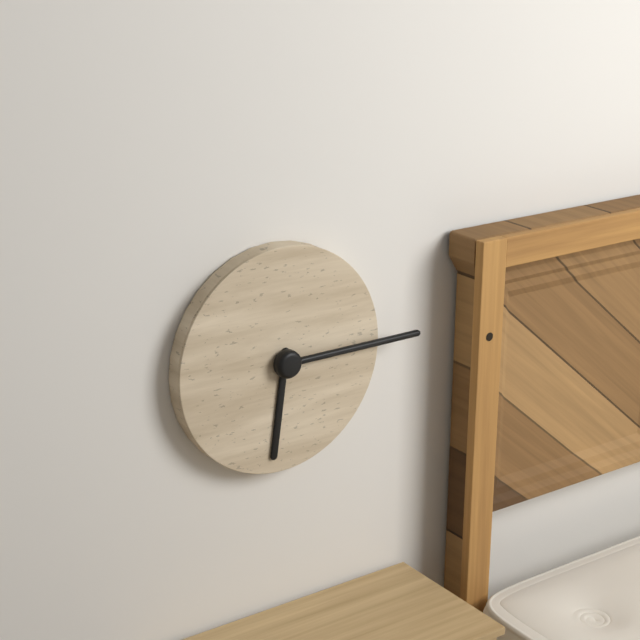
**6:15**
